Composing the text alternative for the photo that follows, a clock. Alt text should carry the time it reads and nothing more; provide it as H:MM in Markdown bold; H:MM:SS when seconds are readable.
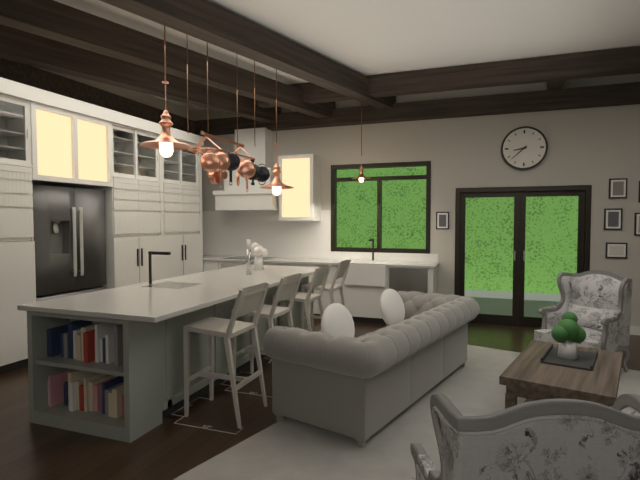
**8:38**
